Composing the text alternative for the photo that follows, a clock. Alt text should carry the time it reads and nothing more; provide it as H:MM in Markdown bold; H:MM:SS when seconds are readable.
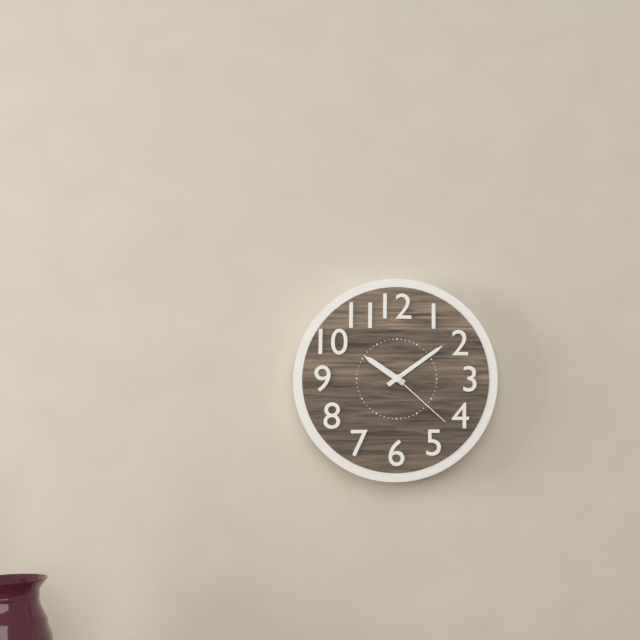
**10:09:22**
